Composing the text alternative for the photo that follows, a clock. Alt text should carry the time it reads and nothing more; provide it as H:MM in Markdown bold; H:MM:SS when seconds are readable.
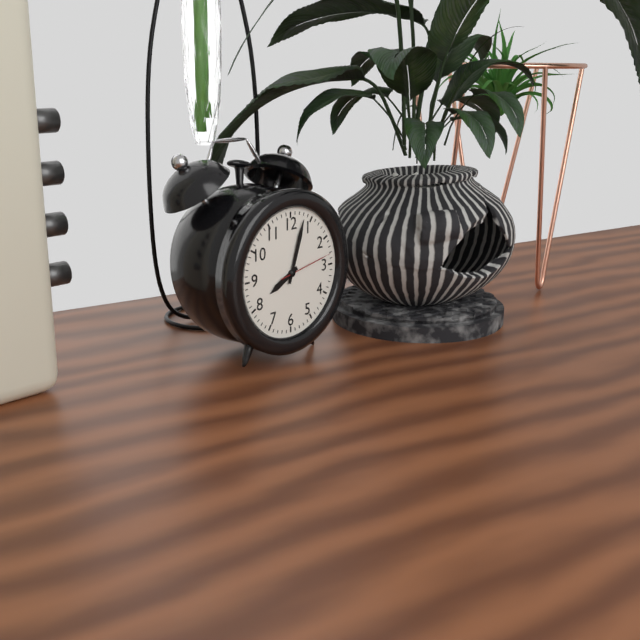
**8:03:13**
